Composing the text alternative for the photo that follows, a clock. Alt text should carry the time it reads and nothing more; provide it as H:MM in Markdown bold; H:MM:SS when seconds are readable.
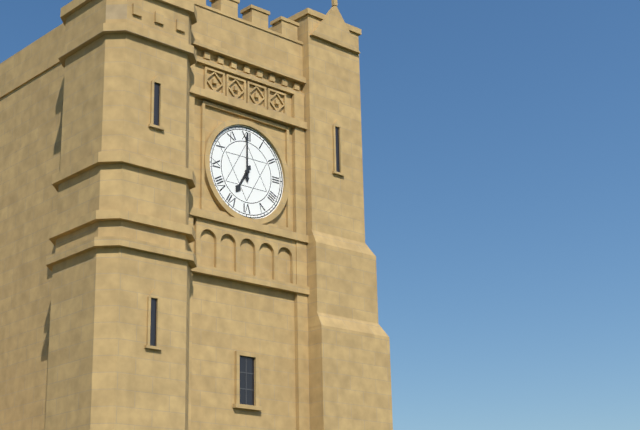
**7:00**
